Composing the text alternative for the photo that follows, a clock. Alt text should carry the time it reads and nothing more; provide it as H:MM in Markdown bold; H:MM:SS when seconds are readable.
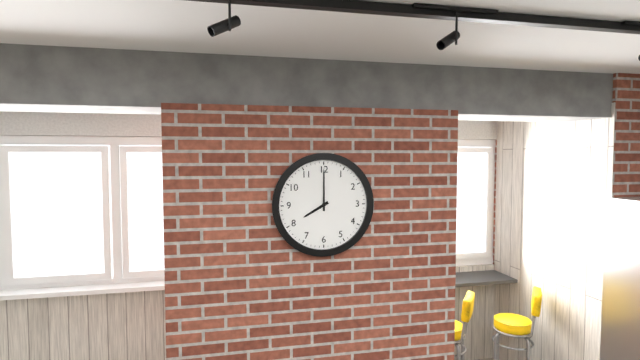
**8:00**
